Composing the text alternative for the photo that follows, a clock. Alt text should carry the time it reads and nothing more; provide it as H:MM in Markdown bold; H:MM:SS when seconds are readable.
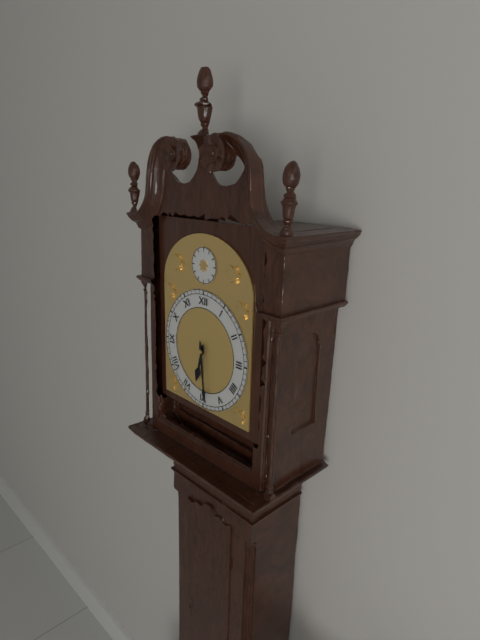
**6:29**
